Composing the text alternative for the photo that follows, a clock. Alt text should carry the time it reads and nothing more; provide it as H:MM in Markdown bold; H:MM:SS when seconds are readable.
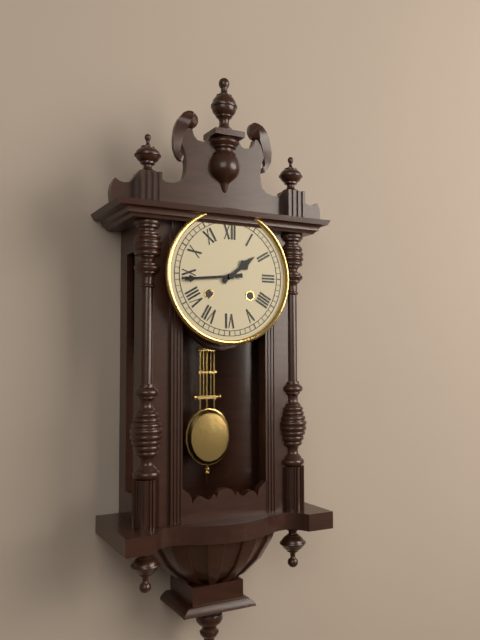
**1:44**
